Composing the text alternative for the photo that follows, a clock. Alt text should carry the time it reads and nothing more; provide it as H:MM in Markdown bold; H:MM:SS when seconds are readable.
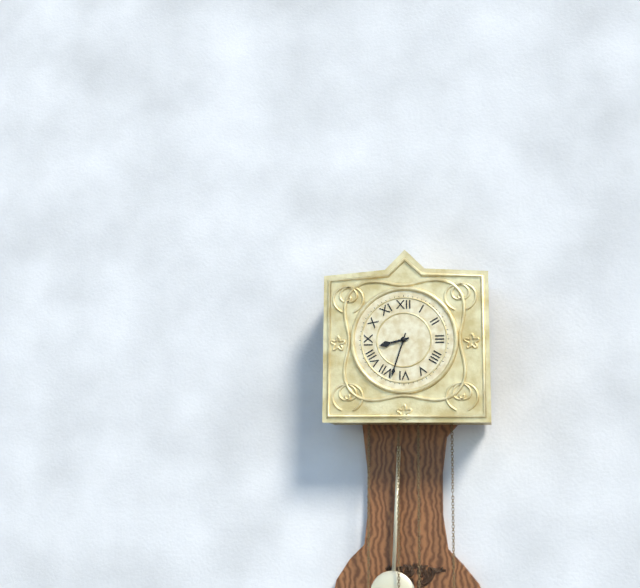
**8:33**
